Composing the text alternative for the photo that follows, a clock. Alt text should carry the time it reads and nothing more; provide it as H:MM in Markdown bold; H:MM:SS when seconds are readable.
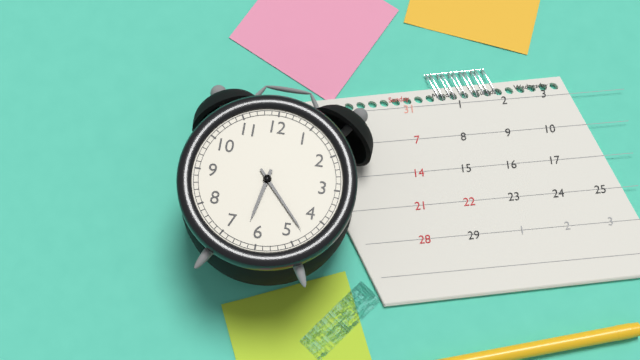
**6:23**
